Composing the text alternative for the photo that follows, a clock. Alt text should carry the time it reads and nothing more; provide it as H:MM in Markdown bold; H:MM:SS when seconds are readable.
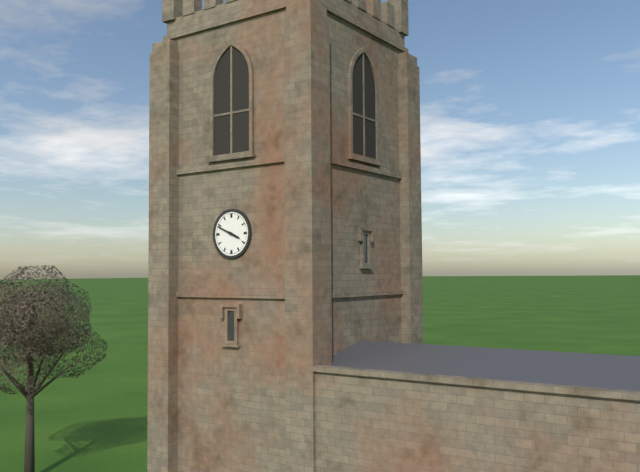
**3:49**
